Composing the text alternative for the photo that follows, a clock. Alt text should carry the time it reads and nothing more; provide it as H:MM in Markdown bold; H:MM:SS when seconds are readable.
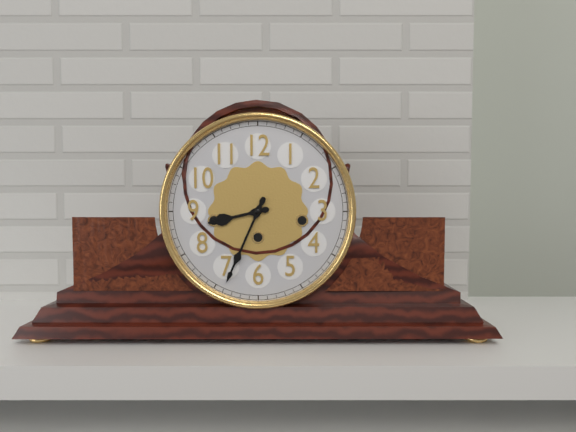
**8:34**
